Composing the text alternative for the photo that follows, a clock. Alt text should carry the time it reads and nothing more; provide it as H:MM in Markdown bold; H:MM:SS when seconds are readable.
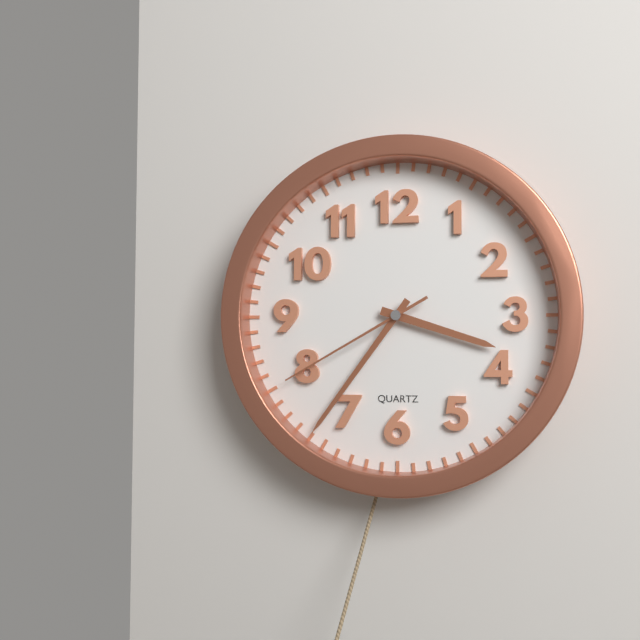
**3:36:40**
